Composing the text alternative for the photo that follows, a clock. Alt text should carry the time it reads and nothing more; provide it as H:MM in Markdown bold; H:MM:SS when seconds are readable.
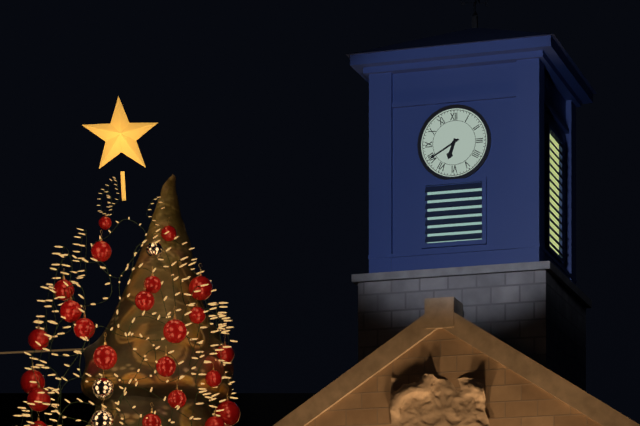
**6:40**
